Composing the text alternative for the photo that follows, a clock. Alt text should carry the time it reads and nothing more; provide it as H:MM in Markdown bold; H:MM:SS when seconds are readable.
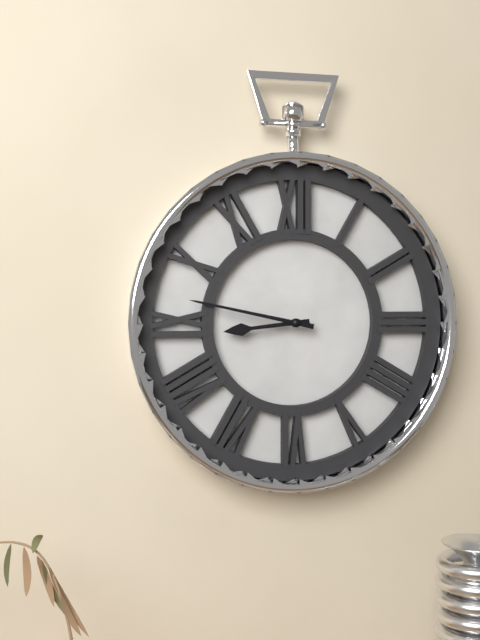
**8:47**
